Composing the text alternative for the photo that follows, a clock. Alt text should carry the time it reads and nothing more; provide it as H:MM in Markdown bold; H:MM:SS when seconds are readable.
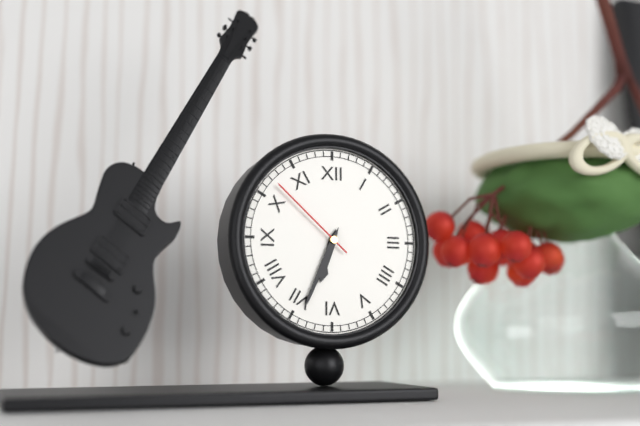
**6:34:52**
